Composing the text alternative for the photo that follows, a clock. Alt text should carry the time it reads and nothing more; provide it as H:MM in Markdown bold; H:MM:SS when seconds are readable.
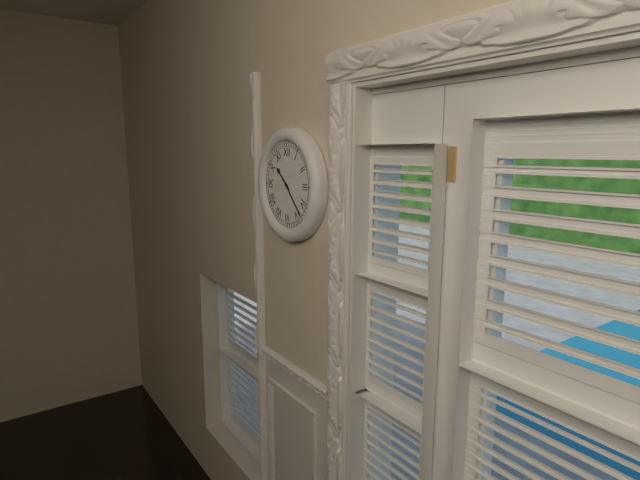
**10:23**
